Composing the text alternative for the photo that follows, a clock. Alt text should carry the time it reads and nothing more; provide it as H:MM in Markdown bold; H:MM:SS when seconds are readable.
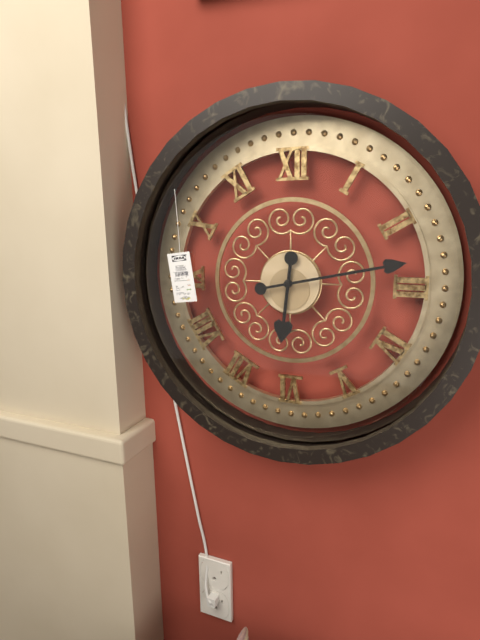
**6:13**
